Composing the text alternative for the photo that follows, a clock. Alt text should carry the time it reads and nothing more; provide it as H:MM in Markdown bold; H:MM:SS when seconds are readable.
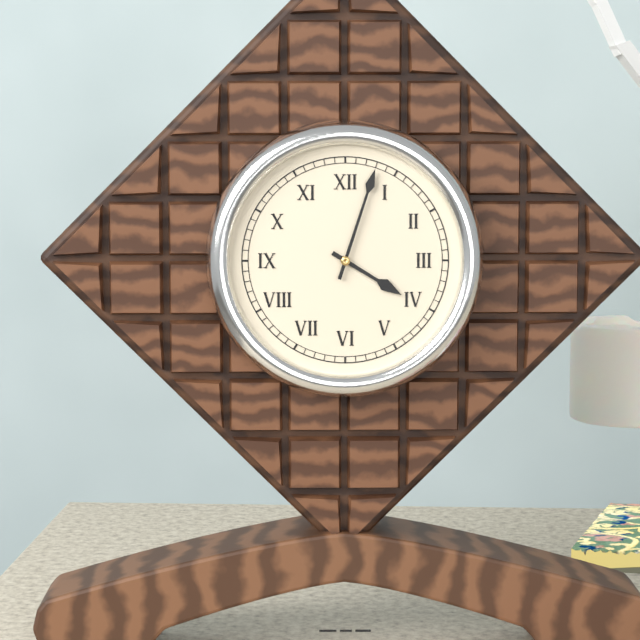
**4:03**
